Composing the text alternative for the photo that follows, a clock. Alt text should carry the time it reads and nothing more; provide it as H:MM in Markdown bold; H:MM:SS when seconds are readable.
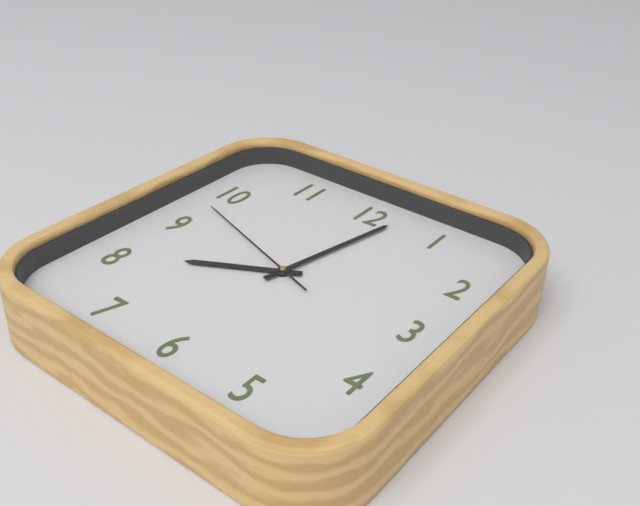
**8:02:48**
